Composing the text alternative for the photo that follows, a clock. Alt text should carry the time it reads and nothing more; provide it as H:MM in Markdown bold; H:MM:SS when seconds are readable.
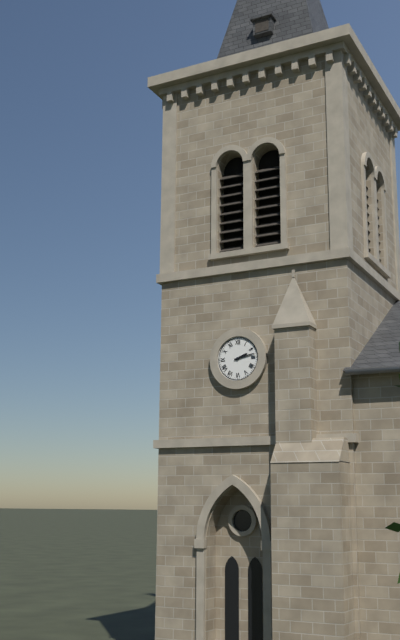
**2:13**
